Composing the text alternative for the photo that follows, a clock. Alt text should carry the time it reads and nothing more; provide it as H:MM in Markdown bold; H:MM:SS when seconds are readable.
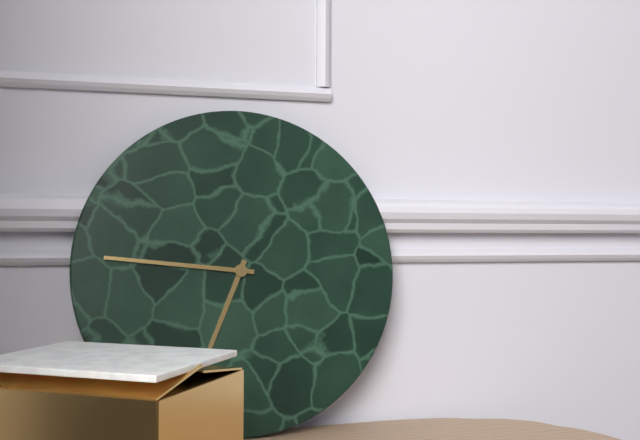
**6:46**
